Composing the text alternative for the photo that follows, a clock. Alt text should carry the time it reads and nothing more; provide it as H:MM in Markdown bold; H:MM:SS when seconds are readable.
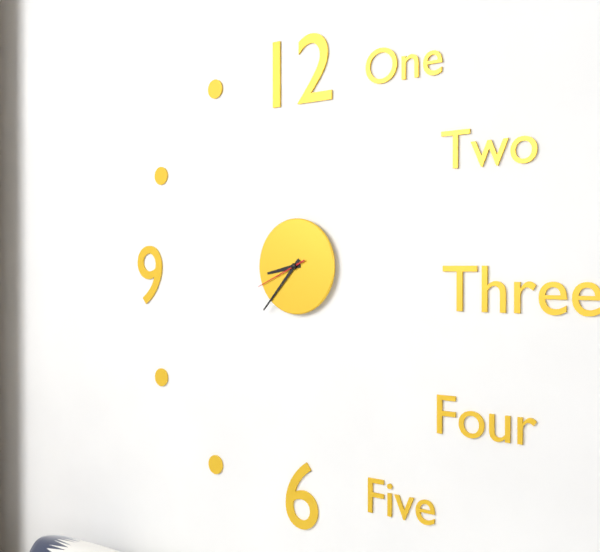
**8:37:41**
